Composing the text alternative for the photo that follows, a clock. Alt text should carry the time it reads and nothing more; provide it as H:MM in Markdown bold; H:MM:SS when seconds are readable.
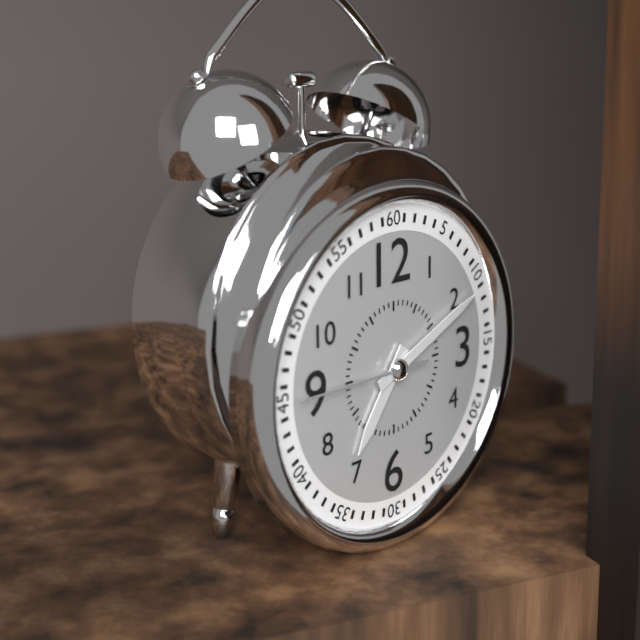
**7:11:45**
